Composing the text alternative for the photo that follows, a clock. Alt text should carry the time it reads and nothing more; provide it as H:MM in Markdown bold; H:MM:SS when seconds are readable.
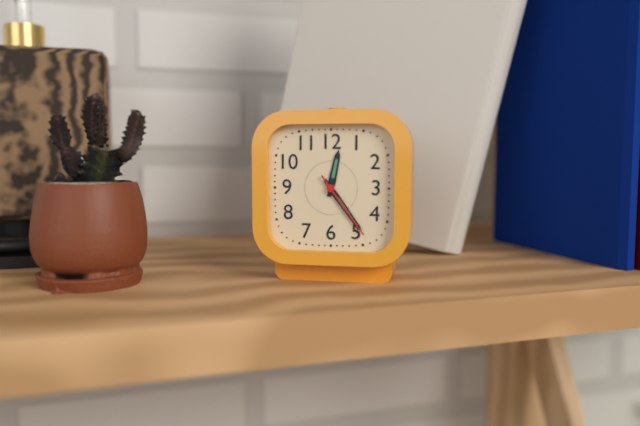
**12:24:24**
